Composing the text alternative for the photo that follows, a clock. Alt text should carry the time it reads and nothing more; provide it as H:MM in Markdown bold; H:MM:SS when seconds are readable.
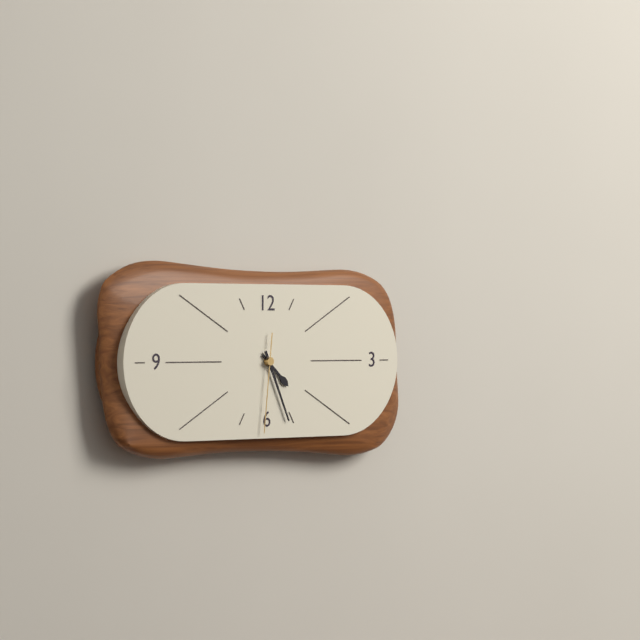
**4:26:31**
